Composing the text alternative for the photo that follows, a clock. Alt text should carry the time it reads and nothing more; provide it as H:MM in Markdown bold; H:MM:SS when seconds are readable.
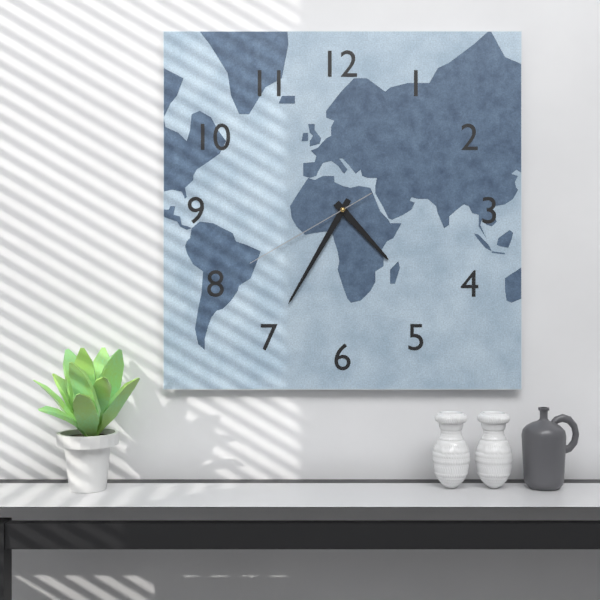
**4:35:40**
